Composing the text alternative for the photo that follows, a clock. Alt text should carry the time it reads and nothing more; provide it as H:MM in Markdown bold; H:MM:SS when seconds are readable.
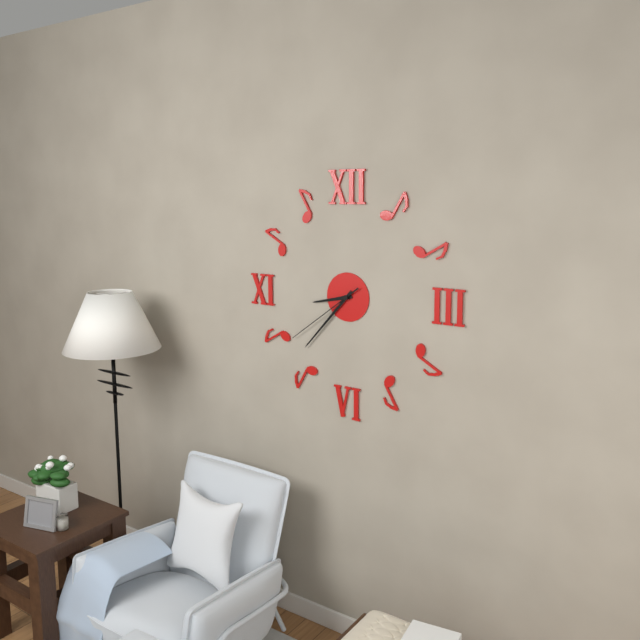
**8:37:39**
